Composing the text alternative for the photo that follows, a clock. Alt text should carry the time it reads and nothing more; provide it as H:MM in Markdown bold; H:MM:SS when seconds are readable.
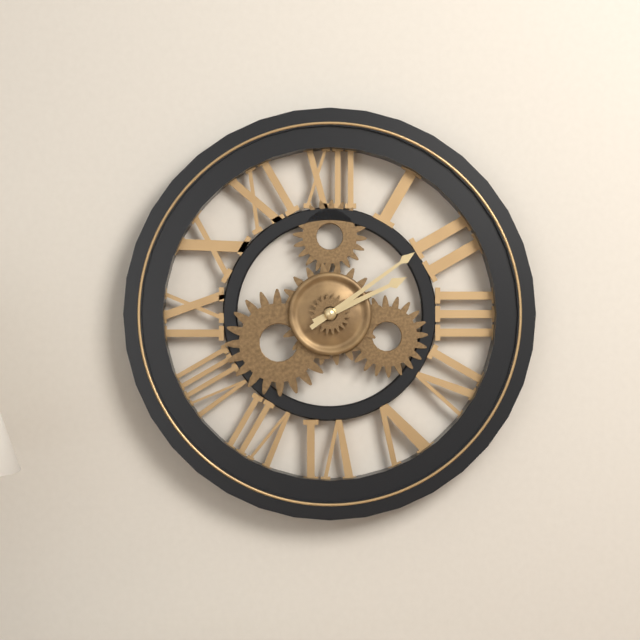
**2:09**
